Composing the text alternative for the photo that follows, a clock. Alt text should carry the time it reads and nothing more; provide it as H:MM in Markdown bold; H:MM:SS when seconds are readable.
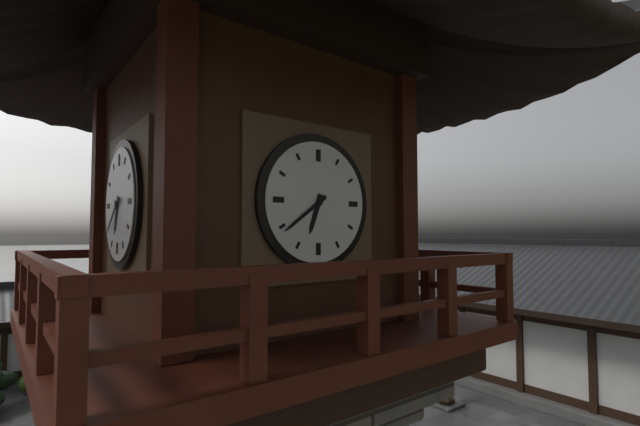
**6:39**
